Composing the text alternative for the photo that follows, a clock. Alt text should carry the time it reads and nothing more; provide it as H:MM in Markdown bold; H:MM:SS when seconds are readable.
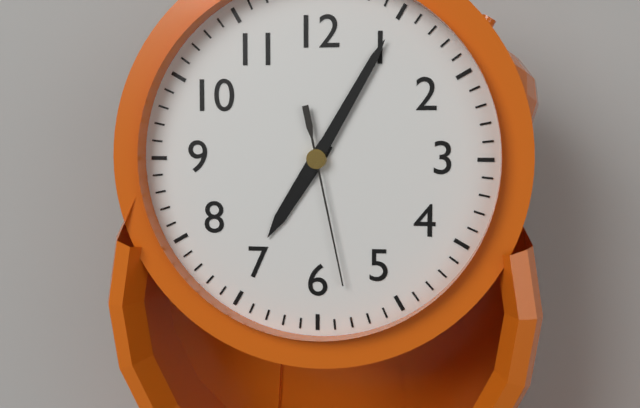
**7:05:28**
